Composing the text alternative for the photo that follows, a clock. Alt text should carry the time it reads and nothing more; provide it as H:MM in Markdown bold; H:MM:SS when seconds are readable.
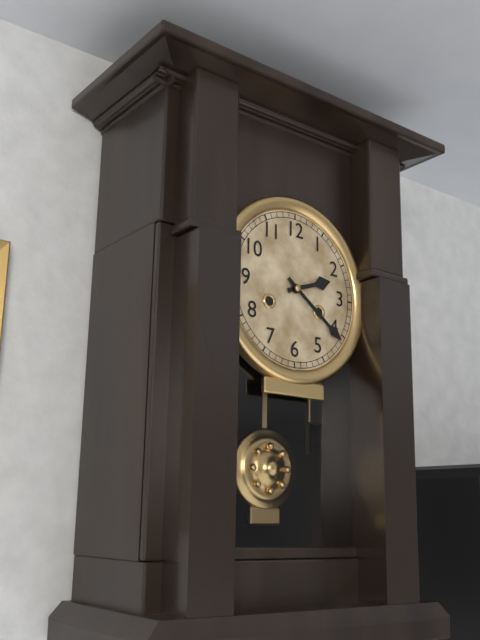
**2:21**
